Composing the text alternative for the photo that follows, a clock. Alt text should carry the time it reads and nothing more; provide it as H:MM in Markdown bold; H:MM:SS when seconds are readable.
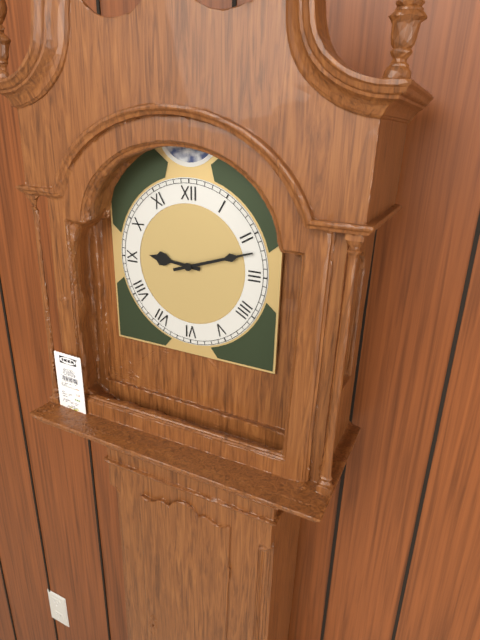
**9:12**
